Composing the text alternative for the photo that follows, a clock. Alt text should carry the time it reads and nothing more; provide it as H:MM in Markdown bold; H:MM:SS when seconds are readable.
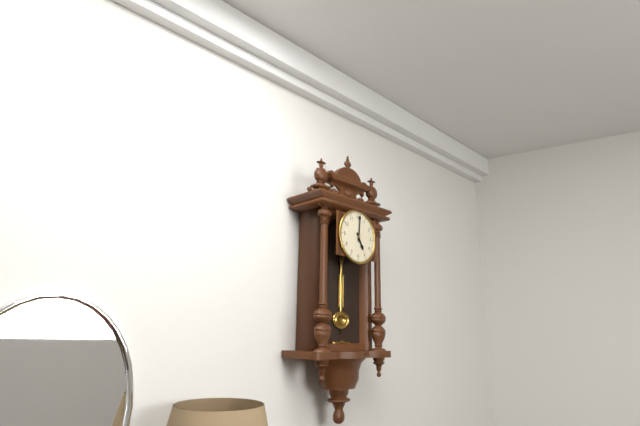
**5:01**
